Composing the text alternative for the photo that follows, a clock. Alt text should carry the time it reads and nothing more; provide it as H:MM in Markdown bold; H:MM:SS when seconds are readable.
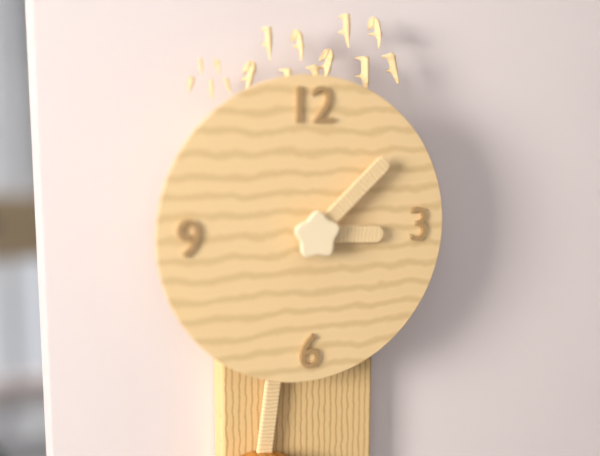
**3:08**
